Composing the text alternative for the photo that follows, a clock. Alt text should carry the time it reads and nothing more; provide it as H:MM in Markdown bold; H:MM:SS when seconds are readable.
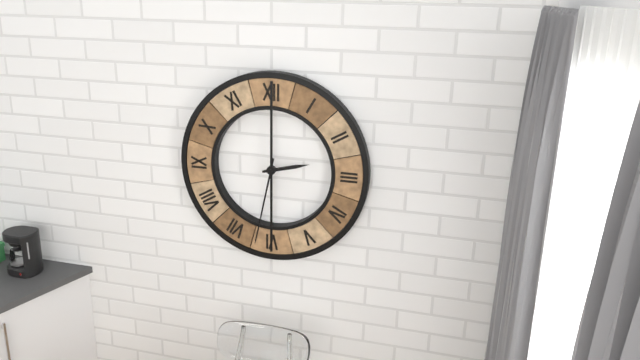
**2:32**
